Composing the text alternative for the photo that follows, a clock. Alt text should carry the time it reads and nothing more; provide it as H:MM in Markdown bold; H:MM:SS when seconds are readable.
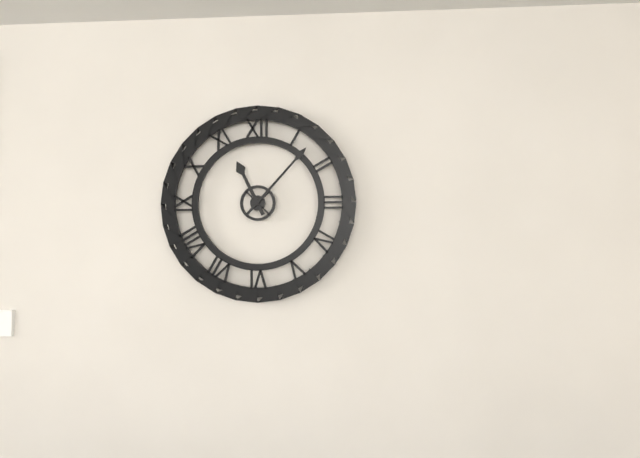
**11:07**
